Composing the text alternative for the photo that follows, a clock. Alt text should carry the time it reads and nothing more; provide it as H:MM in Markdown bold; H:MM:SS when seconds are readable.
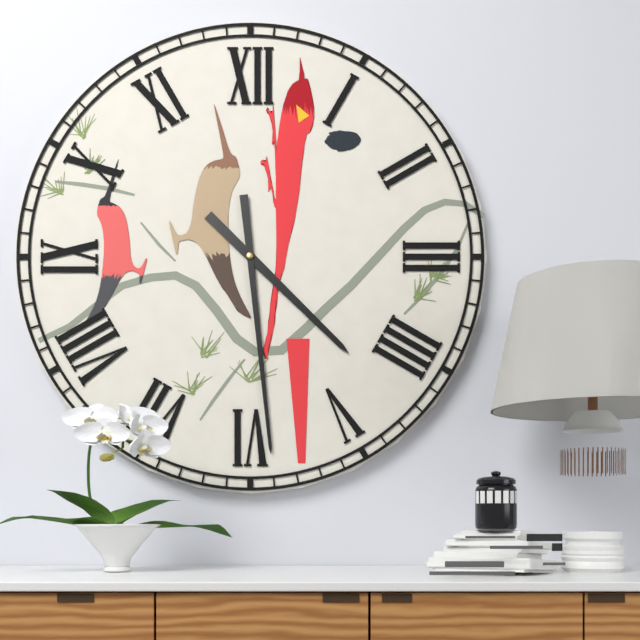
**4:29**
